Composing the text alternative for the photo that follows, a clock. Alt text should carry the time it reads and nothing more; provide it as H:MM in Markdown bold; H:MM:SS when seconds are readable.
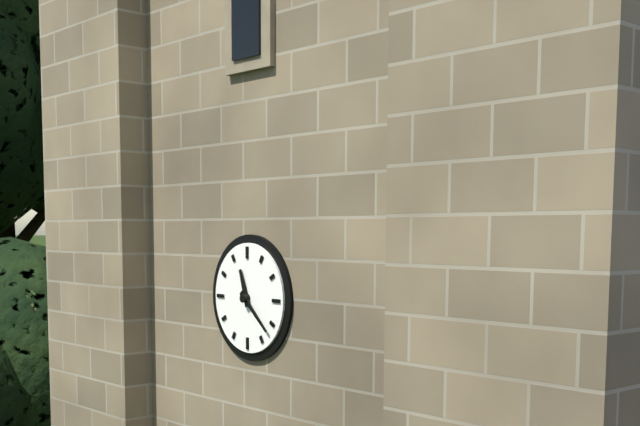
**11:22**
